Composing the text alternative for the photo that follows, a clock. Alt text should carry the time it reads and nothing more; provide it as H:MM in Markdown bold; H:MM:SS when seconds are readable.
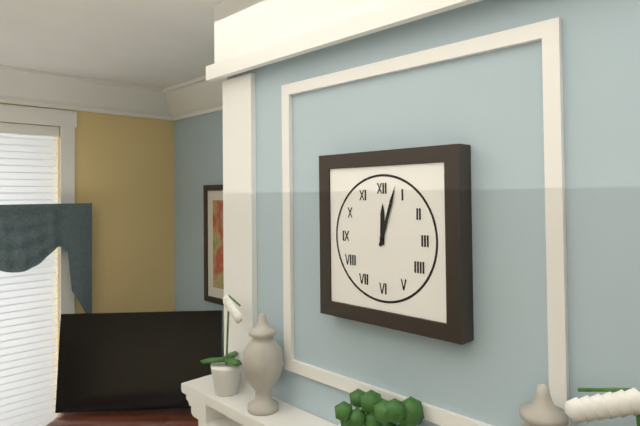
**12:03**
